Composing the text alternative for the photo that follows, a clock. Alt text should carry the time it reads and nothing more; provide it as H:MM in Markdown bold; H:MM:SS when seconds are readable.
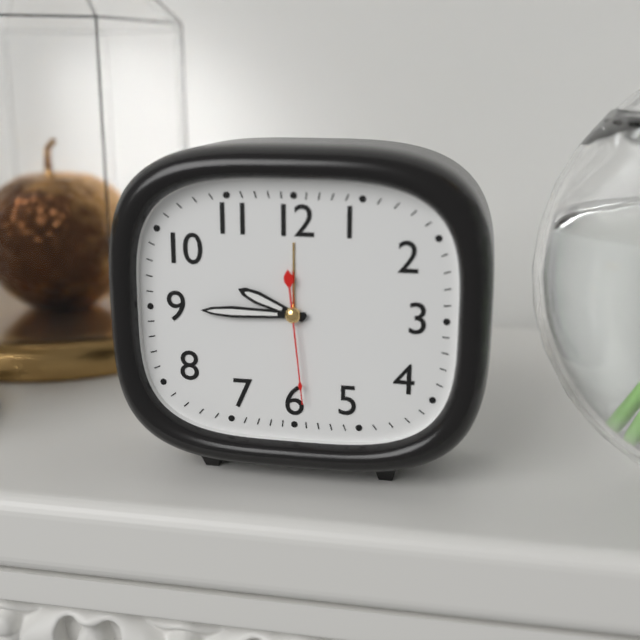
**9:45:29**
